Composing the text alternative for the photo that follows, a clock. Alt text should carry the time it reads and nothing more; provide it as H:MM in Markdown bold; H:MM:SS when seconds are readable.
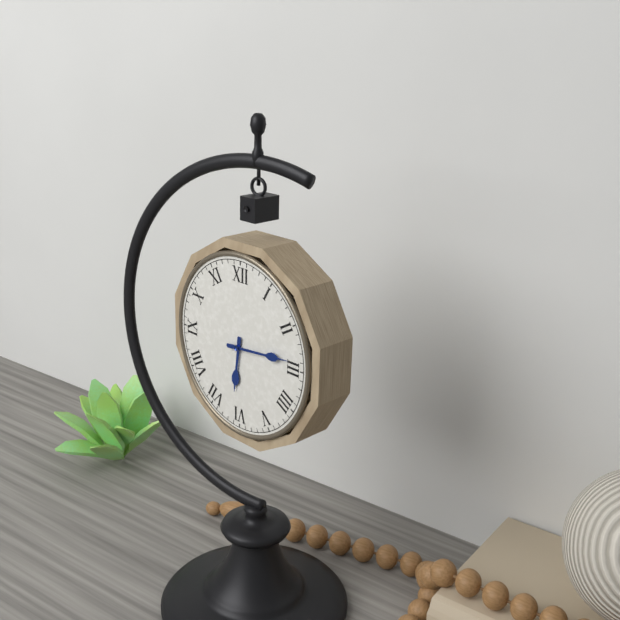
**6:14**
